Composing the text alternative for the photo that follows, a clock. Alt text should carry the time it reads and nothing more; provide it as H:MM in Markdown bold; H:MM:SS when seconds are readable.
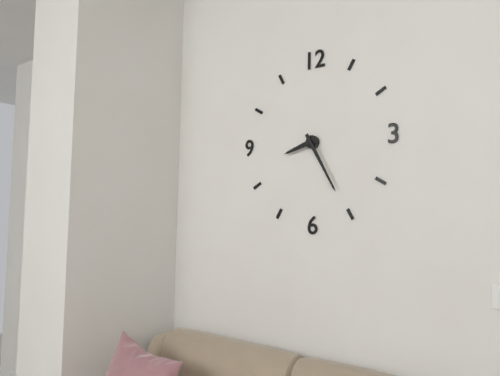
**8:25**
